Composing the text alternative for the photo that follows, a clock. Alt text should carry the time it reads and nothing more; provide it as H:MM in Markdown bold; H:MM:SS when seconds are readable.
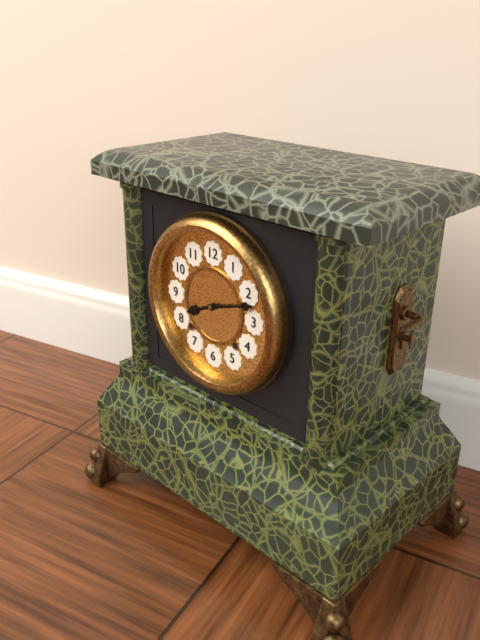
**8:12**
